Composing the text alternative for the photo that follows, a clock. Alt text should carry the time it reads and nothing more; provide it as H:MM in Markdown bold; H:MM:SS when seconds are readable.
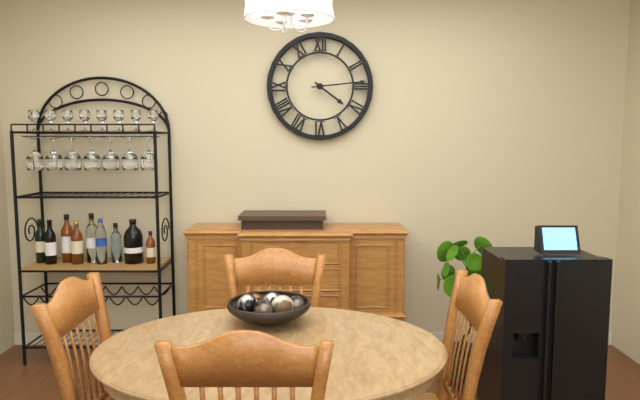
**4:14**
